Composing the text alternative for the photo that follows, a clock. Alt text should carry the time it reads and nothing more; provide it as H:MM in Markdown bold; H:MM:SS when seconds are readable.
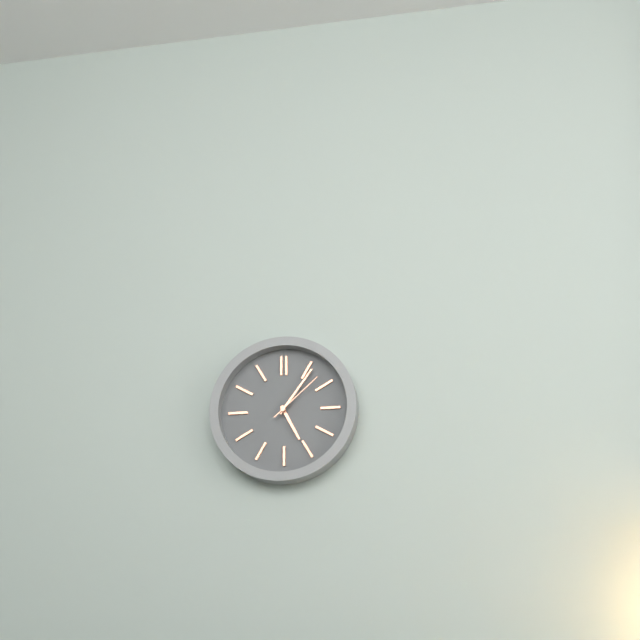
**5:06:08**
